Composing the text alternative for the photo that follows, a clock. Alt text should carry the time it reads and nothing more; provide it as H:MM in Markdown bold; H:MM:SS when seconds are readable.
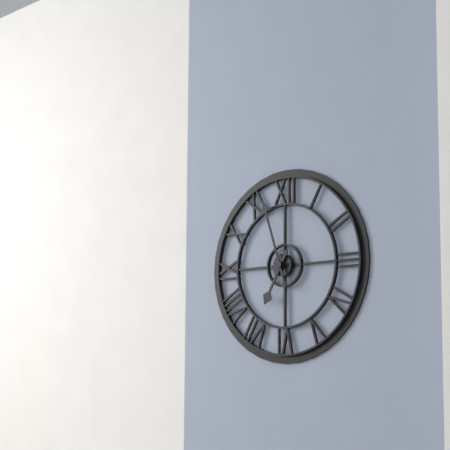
**6:57**
